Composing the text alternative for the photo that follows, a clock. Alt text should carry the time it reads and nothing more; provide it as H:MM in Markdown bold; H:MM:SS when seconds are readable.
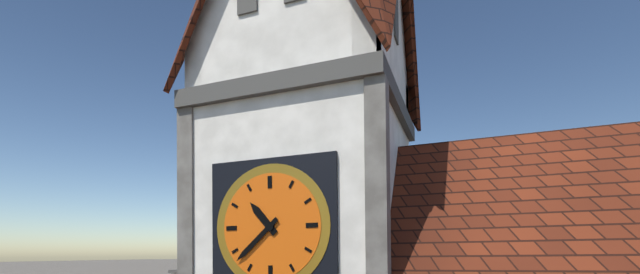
**10:38**
